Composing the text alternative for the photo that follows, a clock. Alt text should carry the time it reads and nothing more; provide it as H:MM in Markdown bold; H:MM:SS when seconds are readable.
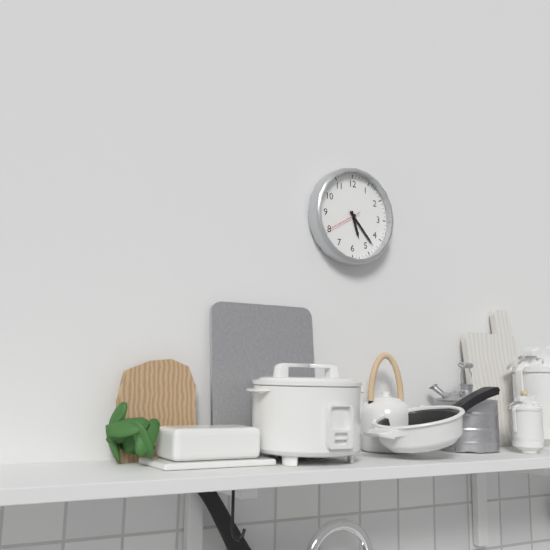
**5:23**
